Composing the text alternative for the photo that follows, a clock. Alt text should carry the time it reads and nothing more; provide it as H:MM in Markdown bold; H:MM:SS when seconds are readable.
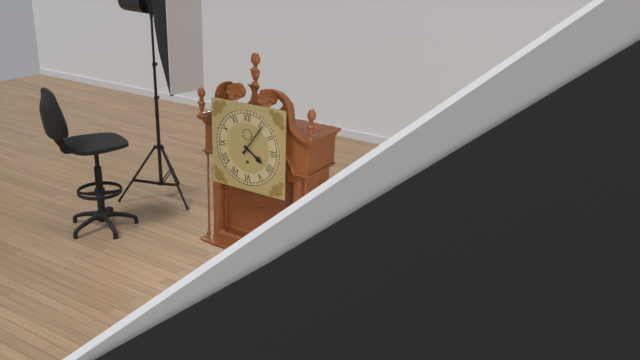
**4:06**
